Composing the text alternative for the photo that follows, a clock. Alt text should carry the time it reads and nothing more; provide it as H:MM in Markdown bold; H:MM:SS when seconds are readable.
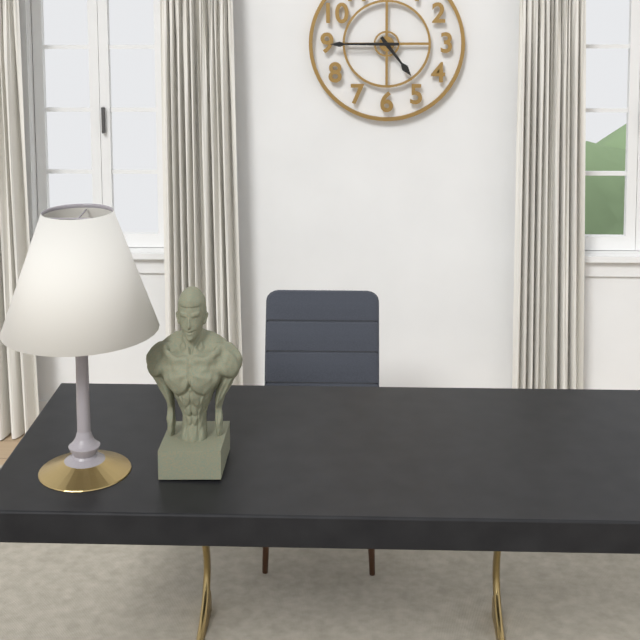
**4:45**
